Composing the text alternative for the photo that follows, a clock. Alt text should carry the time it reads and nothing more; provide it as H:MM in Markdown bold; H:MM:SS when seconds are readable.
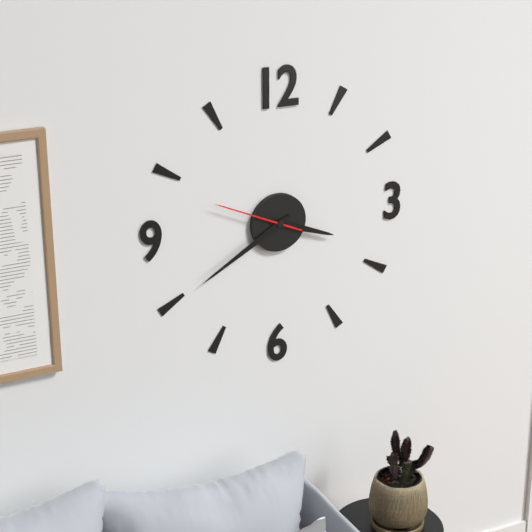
**3:40:49**
